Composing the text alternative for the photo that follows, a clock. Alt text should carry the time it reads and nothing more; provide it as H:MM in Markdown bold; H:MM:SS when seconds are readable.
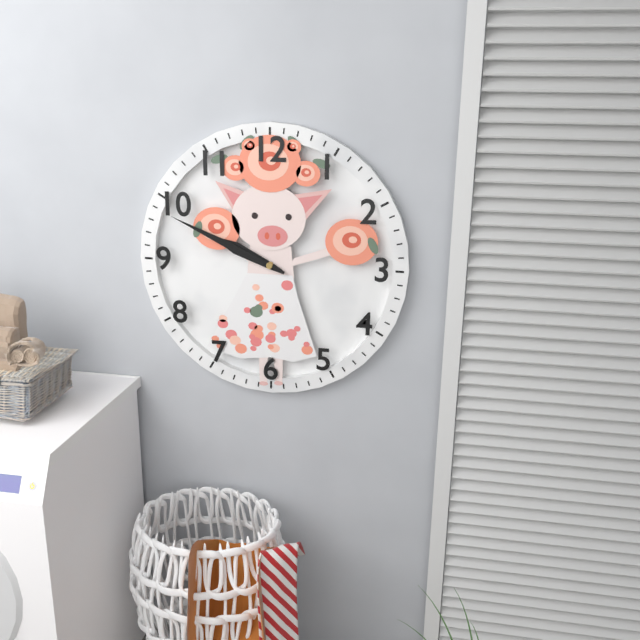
**9:49**
